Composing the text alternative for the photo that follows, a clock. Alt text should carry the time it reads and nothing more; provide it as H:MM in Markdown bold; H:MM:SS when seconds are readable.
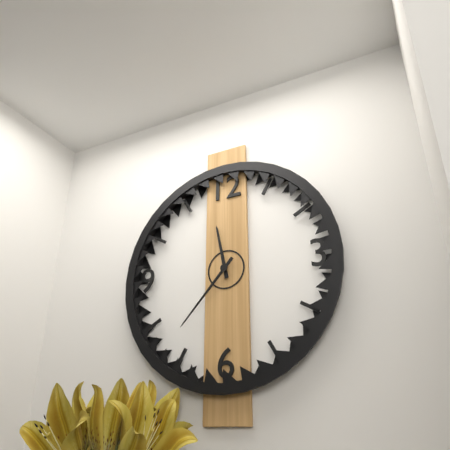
**11:37**
